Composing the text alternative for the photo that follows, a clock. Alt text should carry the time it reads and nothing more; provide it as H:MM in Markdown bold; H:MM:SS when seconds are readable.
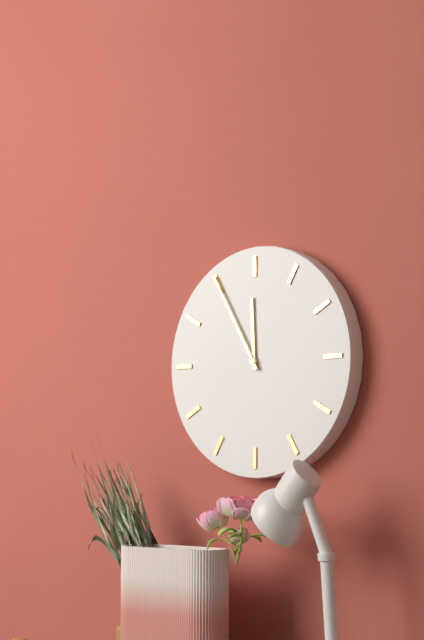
**11:55**
